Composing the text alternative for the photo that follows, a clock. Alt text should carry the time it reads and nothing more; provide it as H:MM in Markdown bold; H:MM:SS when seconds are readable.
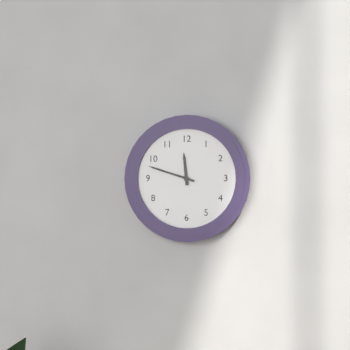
**11:48**
